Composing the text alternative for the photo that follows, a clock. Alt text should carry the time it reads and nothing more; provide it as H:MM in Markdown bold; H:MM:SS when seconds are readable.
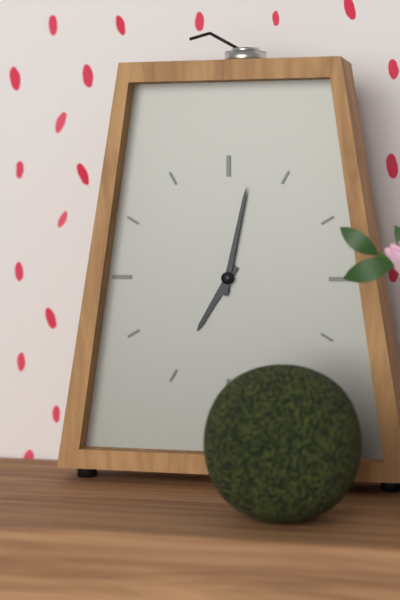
**7:02**
